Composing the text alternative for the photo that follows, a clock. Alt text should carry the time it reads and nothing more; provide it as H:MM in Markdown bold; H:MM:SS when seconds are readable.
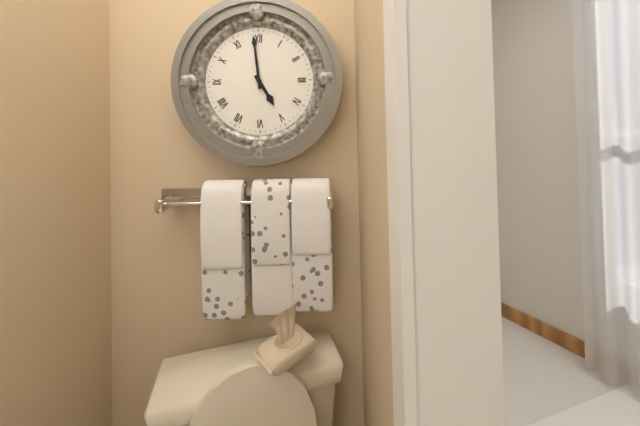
**4:59**
